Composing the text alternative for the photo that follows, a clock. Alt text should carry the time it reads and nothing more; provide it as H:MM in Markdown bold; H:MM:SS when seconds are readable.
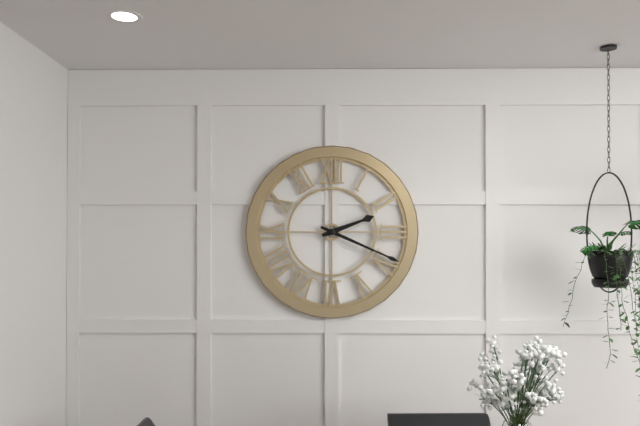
**2:19**
